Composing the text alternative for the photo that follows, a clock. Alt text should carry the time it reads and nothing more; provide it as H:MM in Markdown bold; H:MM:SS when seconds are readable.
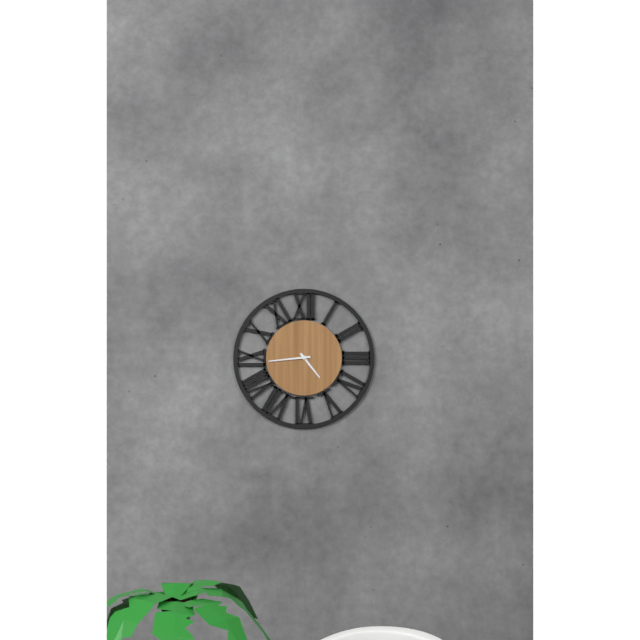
**4:44**
